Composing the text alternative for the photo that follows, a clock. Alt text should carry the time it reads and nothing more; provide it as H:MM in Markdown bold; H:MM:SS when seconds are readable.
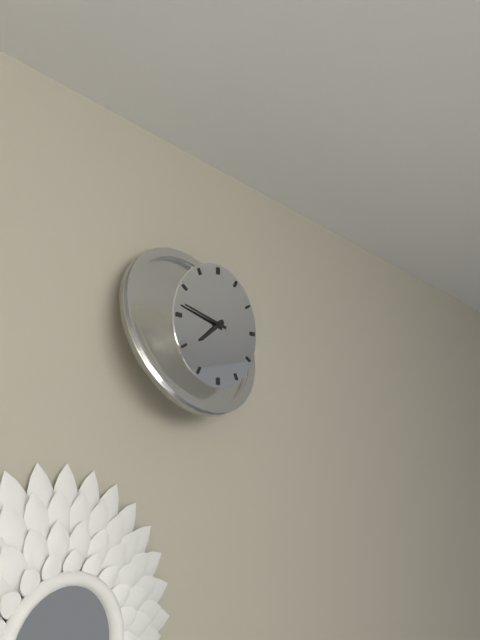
**7:47**
